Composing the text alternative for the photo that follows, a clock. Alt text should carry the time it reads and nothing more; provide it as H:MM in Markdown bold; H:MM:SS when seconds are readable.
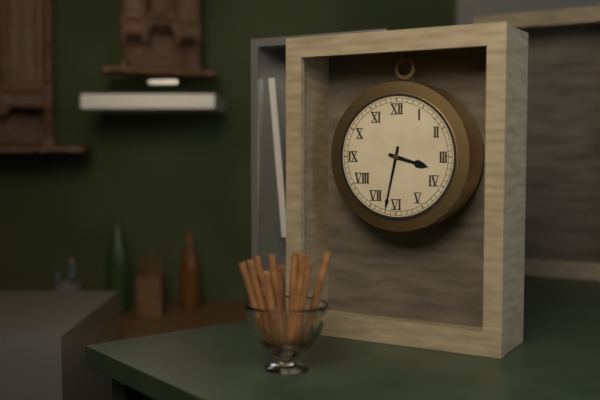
**3:32**
